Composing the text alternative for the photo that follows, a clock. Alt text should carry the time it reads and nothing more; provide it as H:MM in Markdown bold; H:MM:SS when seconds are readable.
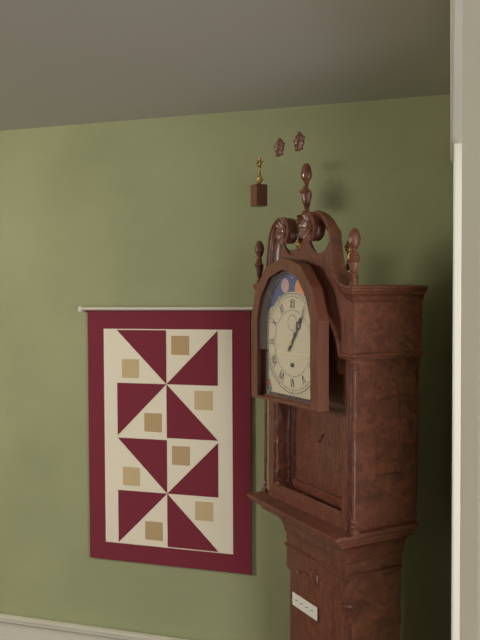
**1:06**
